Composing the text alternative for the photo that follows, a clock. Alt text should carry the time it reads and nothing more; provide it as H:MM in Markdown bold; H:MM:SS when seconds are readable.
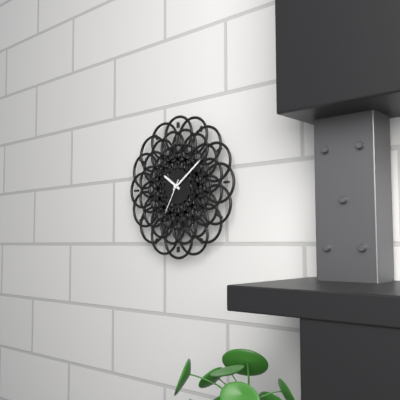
**10:09**
